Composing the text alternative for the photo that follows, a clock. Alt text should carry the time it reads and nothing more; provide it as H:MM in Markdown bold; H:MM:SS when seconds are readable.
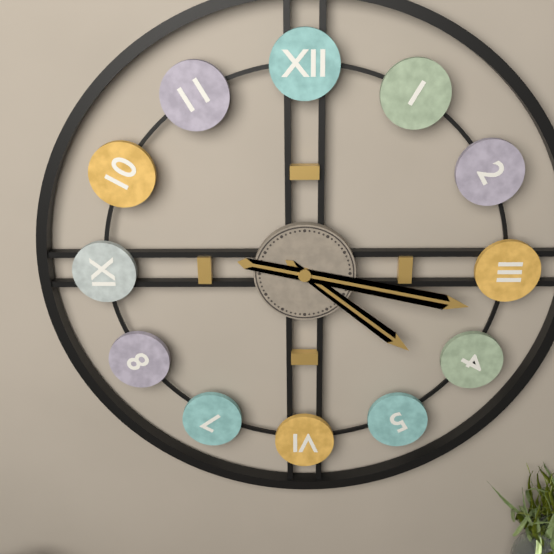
**4:17**
